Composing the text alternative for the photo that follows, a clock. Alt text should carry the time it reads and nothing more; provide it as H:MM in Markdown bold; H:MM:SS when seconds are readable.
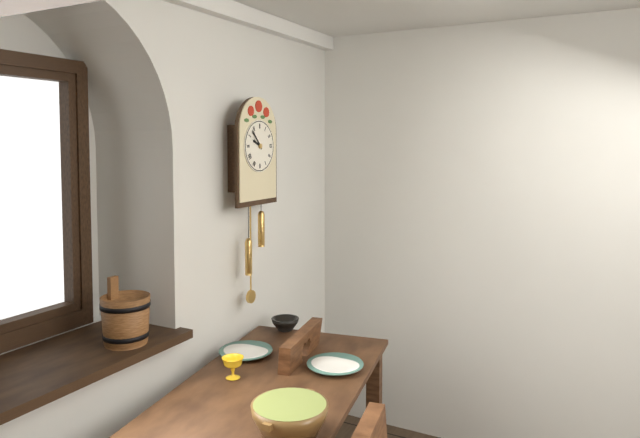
**9:53**
